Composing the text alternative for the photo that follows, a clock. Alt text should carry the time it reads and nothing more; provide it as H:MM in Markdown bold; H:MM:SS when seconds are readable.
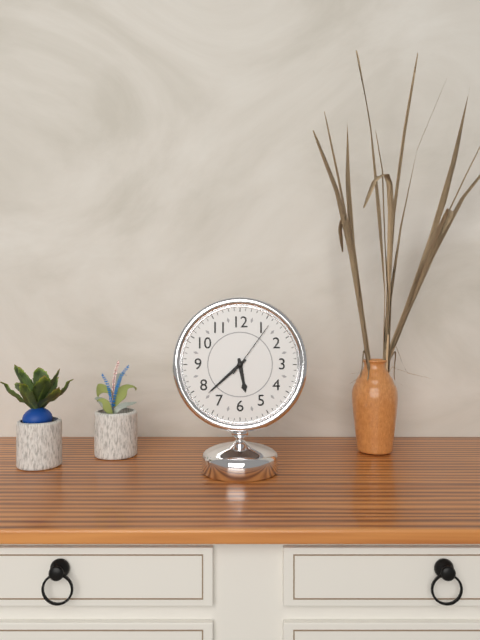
**5:38:06**
